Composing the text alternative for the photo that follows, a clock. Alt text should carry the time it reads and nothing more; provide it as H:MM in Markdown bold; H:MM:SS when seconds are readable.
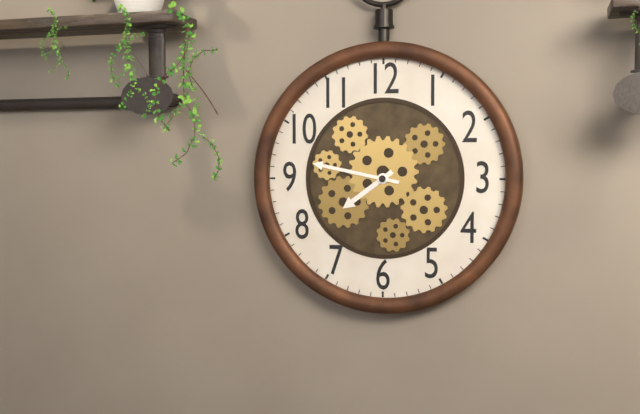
**7:47**
